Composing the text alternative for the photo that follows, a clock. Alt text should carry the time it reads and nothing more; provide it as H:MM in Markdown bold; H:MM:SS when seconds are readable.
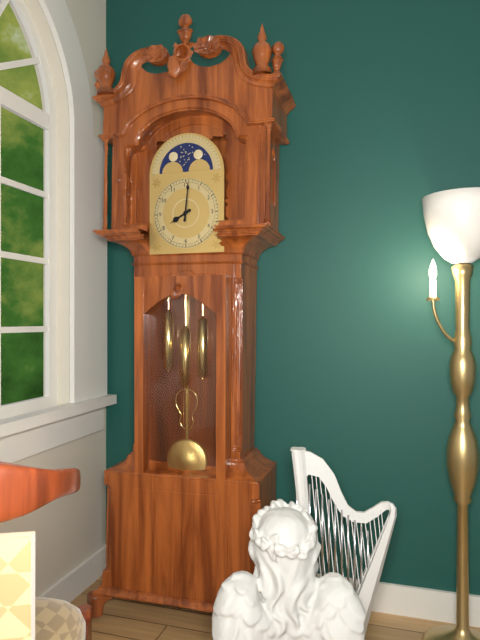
**8:01**
